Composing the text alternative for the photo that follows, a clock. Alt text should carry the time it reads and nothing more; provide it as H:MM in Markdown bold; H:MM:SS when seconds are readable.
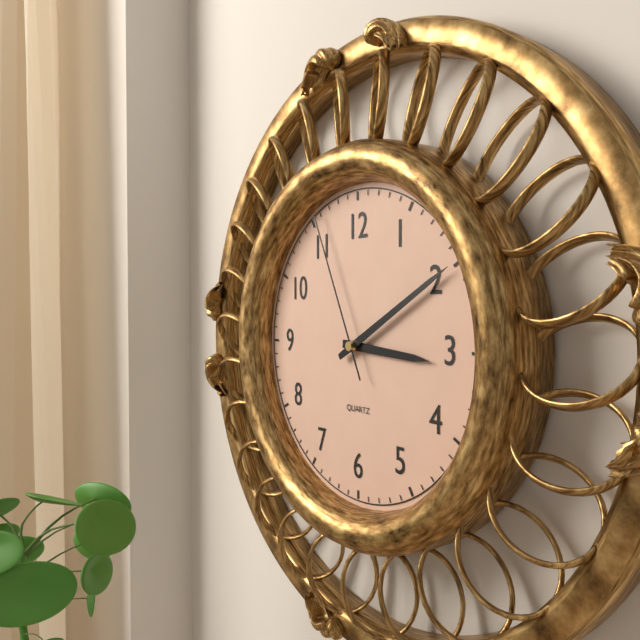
**3:10:56**
